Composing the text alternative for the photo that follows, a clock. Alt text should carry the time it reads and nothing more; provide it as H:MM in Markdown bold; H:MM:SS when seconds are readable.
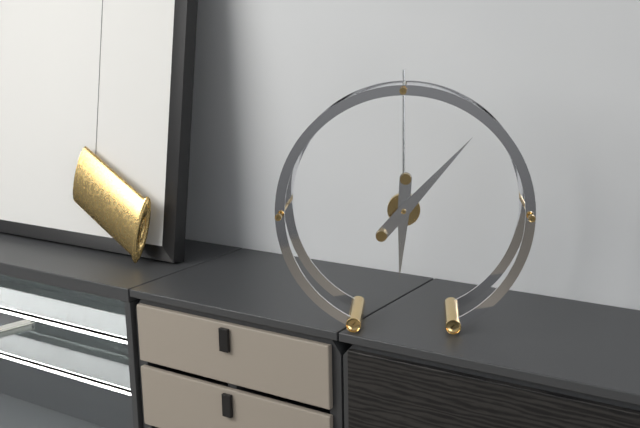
**6:07**
